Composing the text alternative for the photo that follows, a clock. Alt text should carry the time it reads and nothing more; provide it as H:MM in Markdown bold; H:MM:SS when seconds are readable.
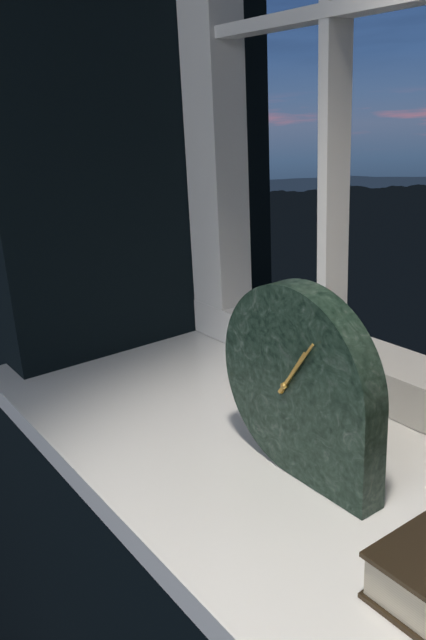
**1:06**
